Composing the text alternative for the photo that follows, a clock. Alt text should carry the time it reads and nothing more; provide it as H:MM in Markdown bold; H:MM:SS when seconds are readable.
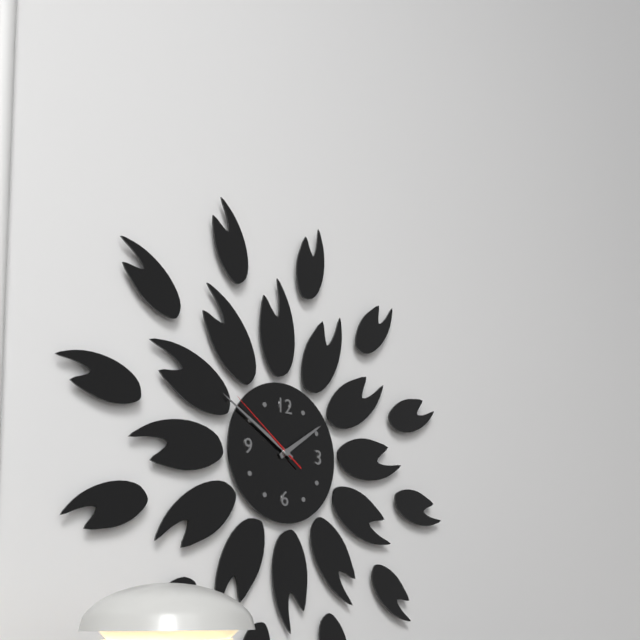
**1:50:51**
